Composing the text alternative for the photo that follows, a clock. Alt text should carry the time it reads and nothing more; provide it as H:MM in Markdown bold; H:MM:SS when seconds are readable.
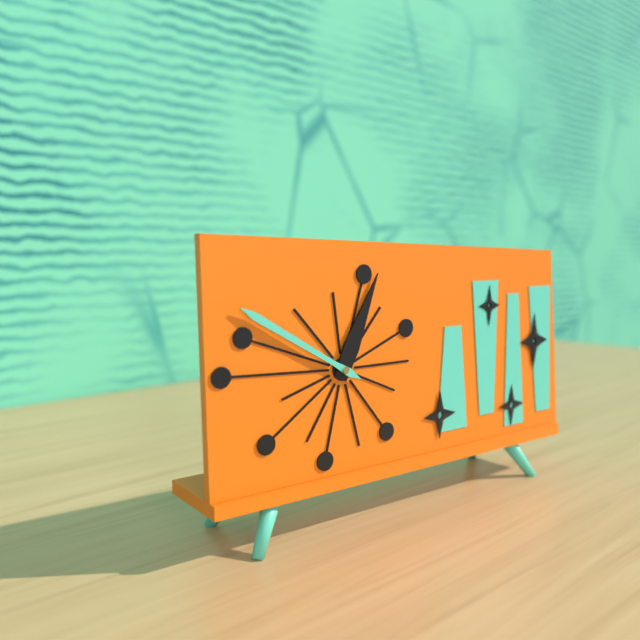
**12:50**
